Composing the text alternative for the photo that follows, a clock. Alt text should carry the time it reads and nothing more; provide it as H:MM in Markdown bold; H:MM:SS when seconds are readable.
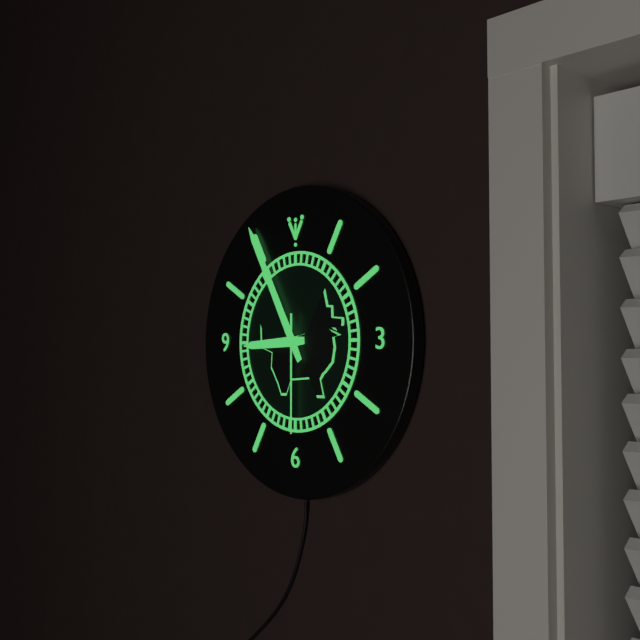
**8:55:30**
